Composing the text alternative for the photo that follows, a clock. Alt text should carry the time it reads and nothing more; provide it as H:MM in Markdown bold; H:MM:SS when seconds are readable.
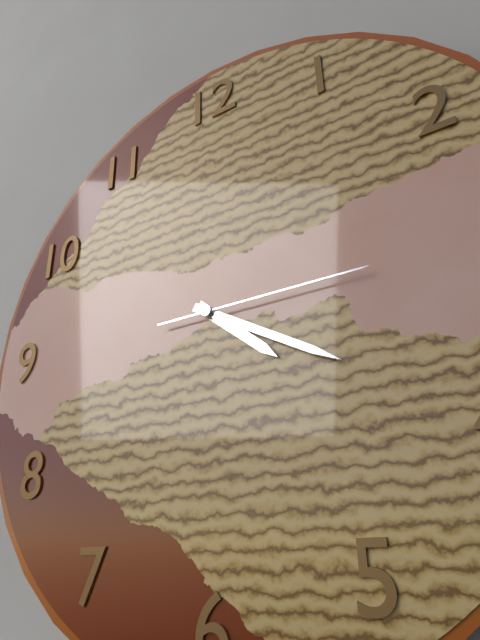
**4:20:15**
